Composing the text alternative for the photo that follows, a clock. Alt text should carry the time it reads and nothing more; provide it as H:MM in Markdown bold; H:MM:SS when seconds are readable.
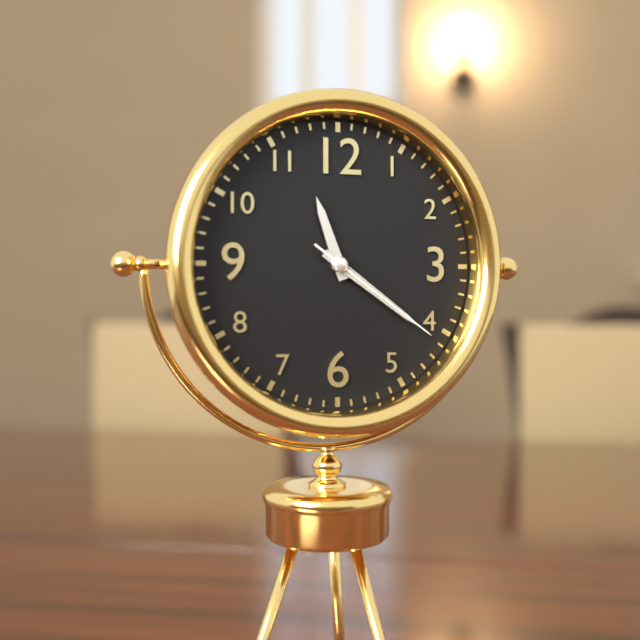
**11:21:21**
